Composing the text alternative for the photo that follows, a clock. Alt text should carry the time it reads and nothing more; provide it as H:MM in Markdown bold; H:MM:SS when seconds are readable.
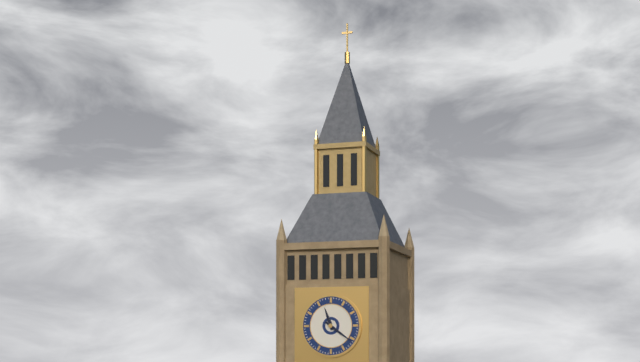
**11:21**
